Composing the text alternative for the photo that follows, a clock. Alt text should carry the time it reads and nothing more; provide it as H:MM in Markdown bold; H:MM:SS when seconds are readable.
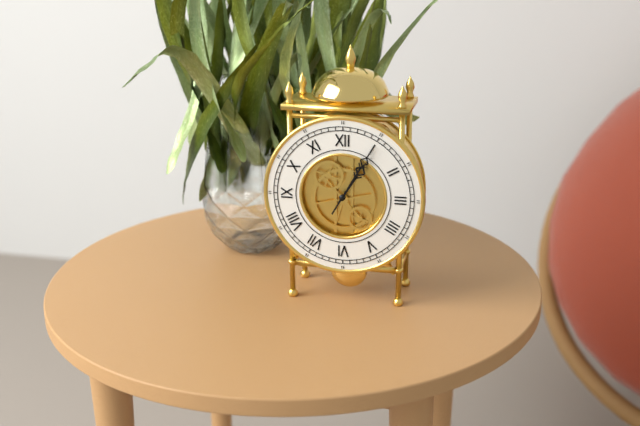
**1:05**
